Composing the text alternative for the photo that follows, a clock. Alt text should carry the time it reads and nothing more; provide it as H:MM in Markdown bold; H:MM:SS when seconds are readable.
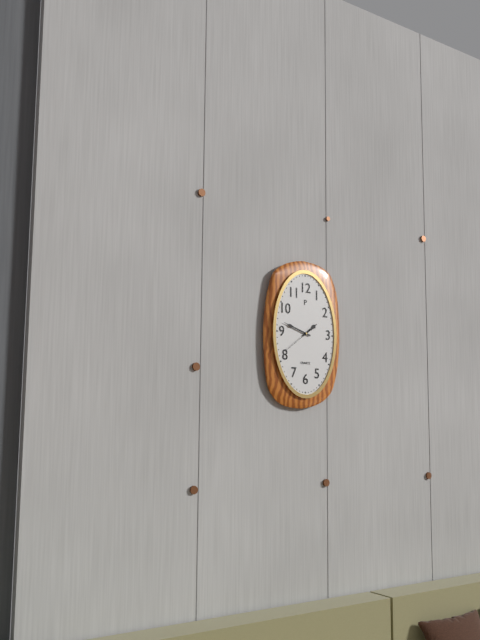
**1:48**
